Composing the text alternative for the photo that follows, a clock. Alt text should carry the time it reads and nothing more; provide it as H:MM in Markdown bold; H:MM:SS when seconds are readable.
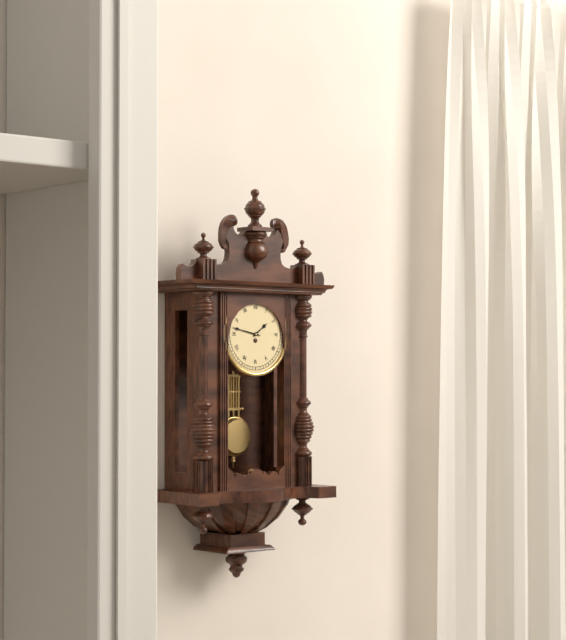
**1:47**
